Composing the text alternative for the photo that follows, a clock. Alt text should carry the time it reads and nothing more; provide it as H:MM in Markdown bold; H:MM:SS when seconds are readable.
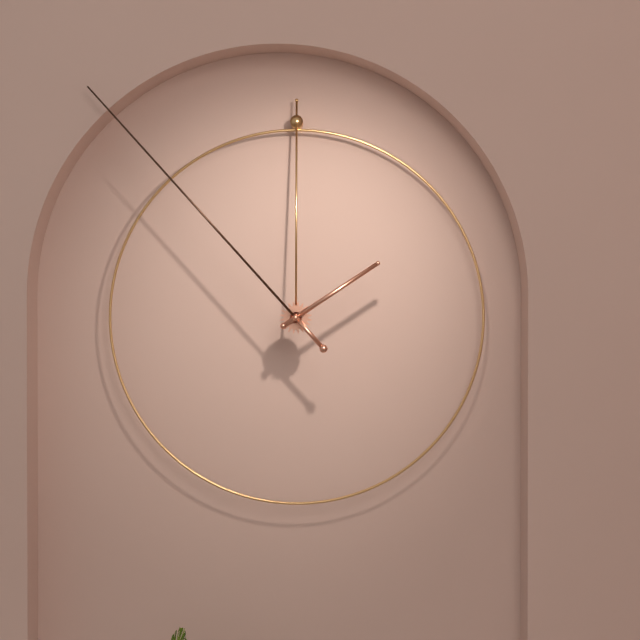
**1:53**
